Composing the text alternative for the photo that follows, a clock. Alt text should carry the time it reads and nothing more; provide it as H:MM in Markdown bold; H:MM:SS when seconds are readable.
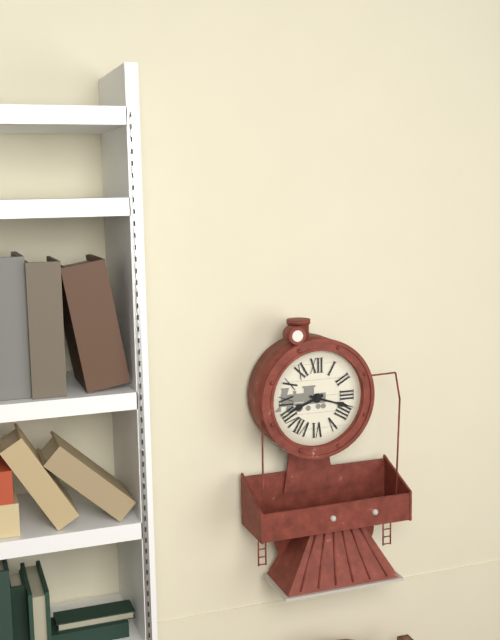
**8:18**
